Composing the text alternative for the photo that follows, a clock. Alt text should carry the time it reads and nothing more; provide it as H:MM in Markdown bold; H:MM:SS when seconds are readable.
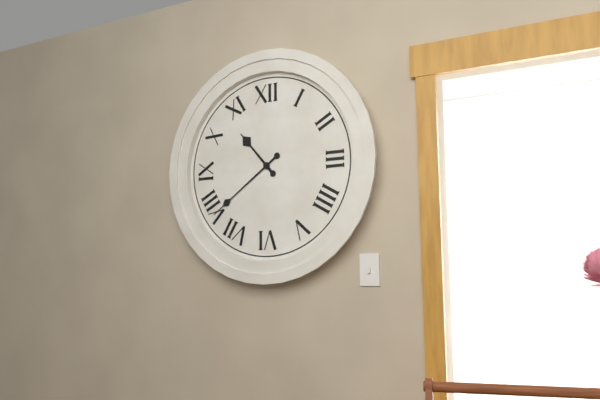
**10:39**
